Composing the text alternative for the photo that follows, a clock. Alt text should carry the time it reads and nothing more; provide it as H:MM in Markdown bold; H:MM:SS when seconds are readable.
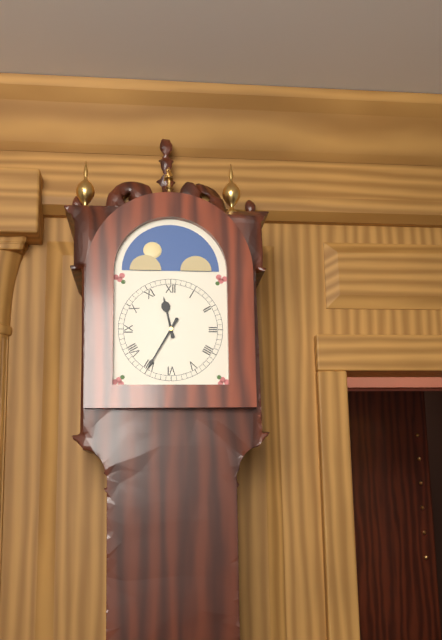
**11:35**
